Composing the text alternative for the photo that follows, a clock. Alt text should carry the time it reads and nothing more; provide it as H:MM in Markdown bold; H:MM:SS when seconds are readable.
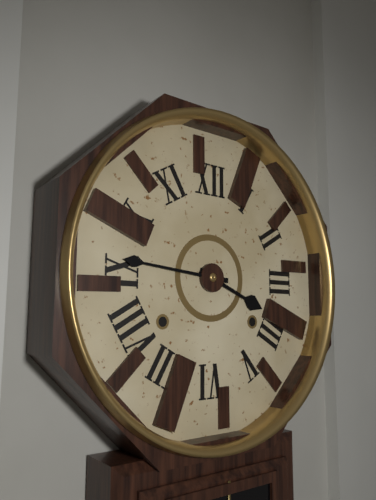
**3:46**
